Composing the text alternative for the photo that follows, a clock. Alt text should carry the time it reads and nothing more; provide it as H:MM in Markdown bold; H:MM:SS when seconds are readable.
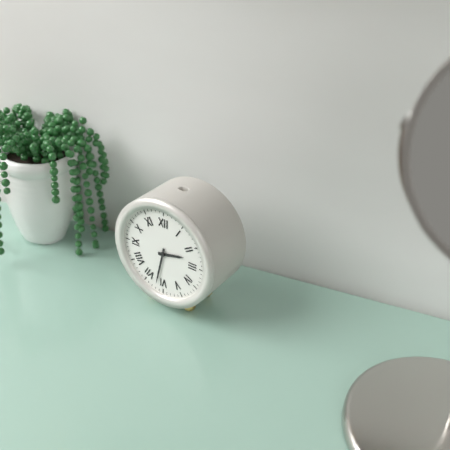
**2:32**
